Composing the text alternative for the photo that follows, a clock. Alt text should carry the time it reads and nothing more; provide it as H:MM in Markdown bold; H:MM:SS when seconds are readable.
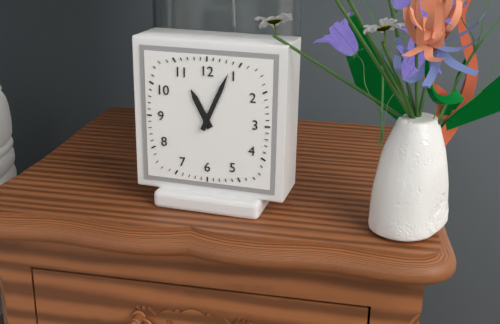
**11:04**
